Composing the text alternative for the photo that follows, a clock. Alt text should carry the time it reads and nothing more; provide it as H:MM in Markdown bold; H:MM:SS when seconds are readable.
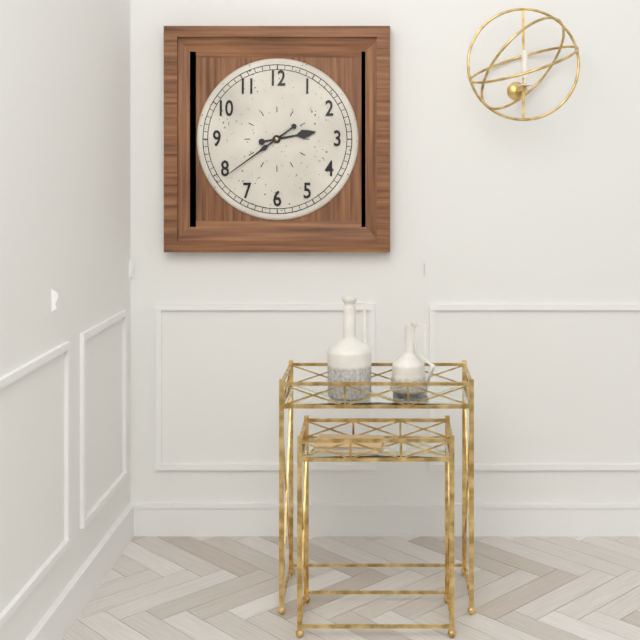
**2:39**
